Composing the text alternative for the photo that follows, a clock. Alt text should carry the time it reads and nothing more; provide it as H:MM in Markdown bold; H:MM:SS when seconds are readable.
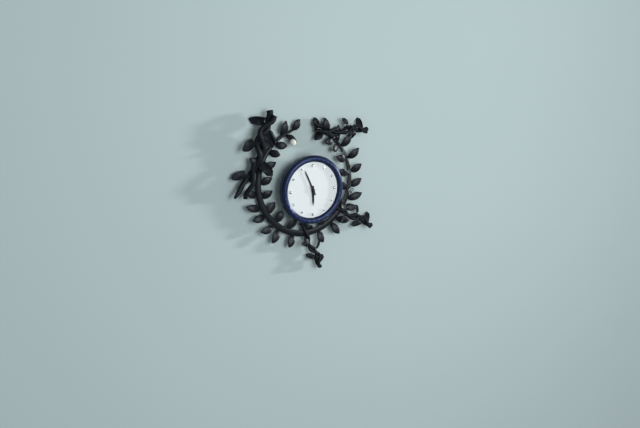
**5:56**
